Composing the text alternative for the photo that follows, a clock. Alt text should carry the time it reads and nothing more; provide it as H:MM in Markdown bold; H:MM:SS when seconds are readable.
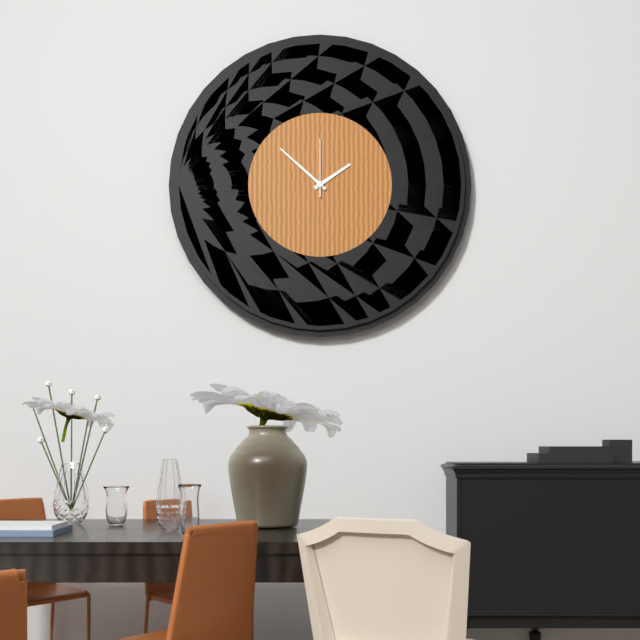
**1:52:00**
